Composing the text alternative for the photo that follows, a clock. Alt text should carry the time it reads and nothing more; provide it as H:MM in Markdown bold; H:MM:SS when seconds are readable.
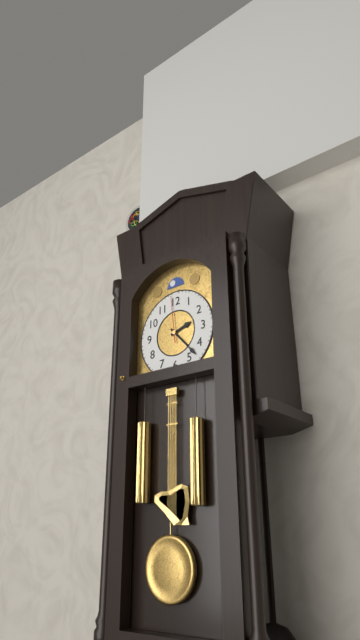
**2:23**
